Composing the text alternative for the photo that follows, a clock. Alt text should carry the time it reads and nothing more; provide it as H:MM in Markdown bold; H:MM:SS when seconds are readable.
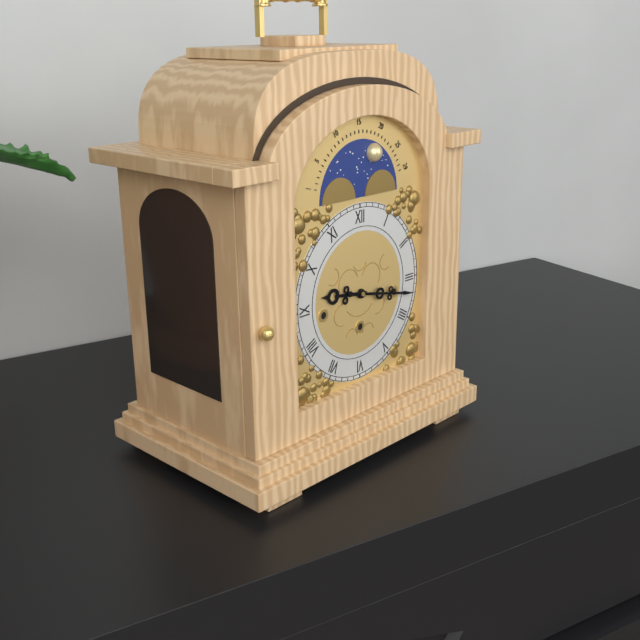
**9:17**
